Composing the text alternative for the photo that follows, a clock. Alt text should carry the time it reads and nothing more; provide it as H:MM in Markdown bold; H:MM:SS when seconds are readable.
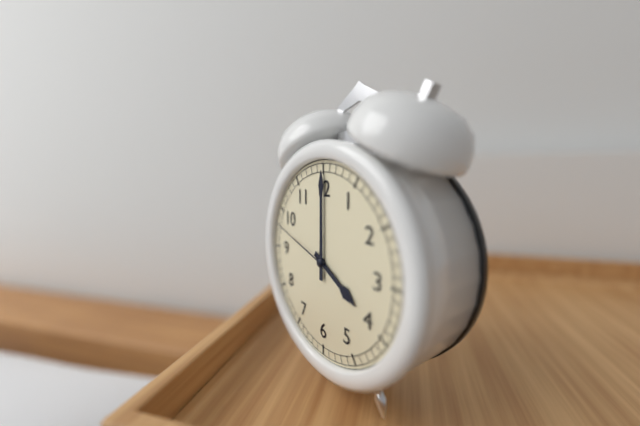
**4:00:48**
